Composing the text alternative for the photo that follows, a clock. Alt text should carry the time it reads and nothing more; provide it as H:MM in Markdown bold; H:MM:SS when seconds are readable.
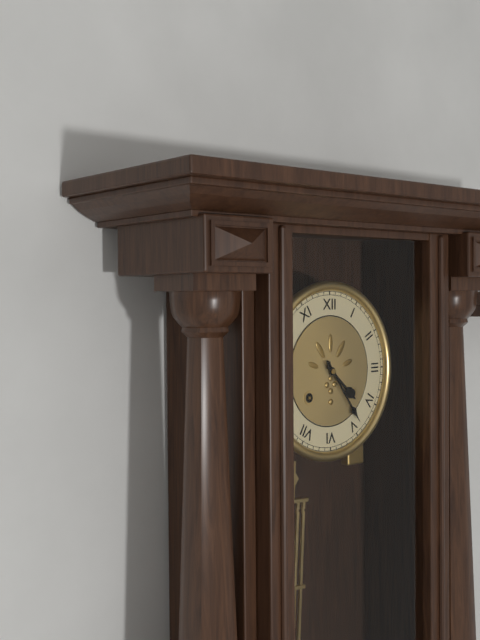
**4:24**
